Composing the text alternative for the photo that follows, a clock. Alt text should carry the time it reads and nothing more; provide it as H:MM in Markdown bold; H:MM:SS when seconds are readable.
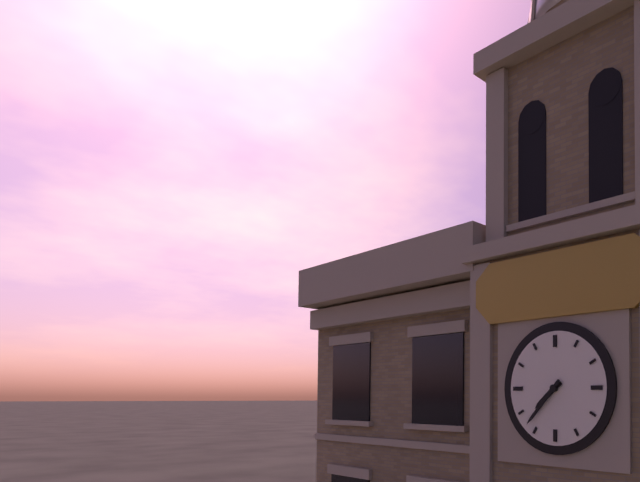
**7:37**
